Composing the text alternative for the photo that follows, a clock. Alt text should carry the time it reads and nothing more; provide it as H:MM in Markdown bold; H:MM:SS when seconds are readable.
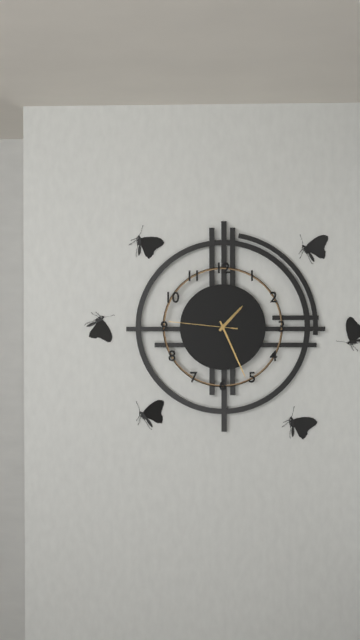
**1:26:46**
